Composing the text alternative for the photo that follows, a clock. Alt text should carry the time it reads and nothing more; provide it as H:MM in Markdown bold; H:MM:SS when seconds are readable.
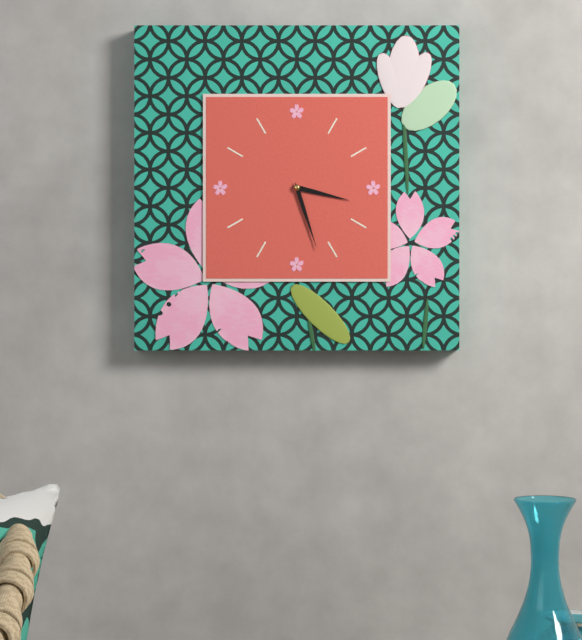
**3:27**
